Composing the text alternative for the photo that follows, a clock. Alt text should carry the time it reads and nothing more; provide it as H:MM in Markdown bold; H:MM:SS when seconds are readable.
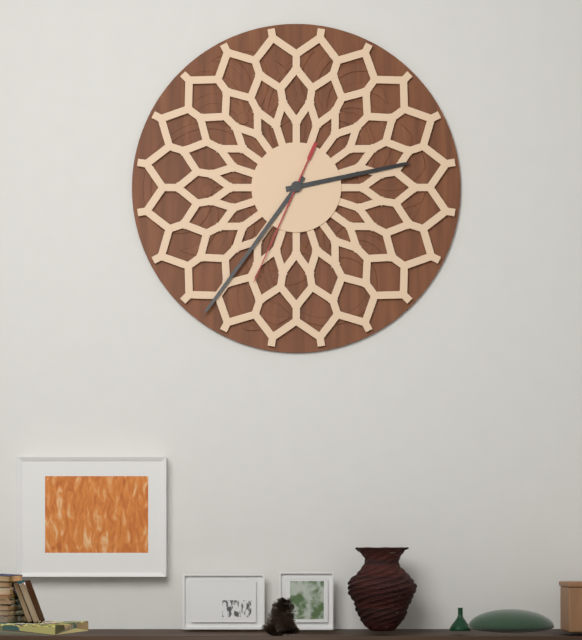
**2:36:34**
